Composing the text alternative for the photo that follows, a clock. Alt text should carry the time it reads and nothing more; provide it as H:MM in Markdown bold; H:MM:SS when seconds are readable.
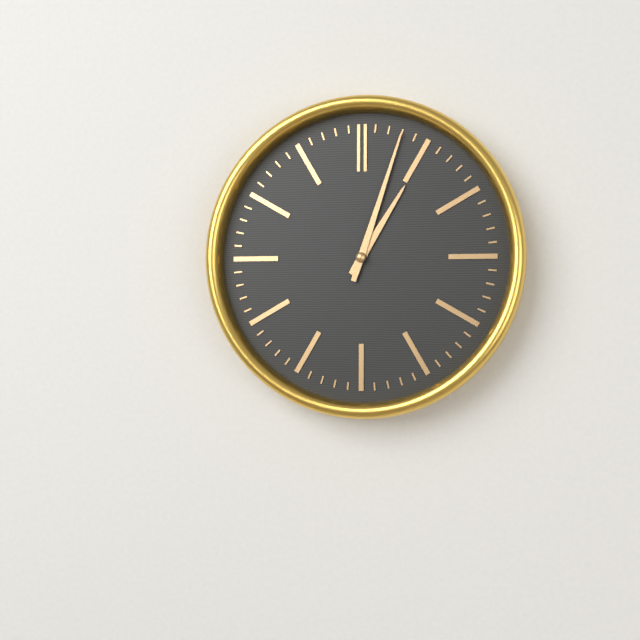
**1:03**
